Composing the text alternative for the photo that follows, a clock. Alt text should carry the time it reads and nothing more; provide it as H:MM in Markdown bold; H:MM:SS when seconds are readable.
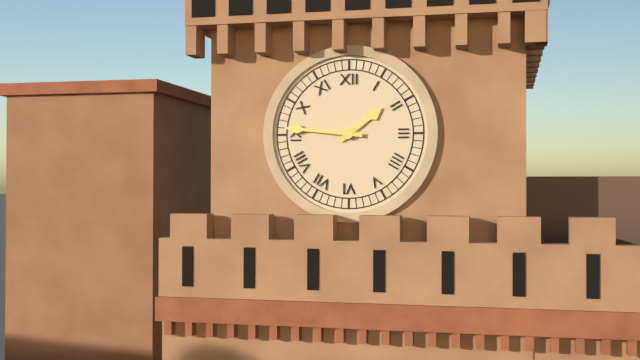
**1:46**
